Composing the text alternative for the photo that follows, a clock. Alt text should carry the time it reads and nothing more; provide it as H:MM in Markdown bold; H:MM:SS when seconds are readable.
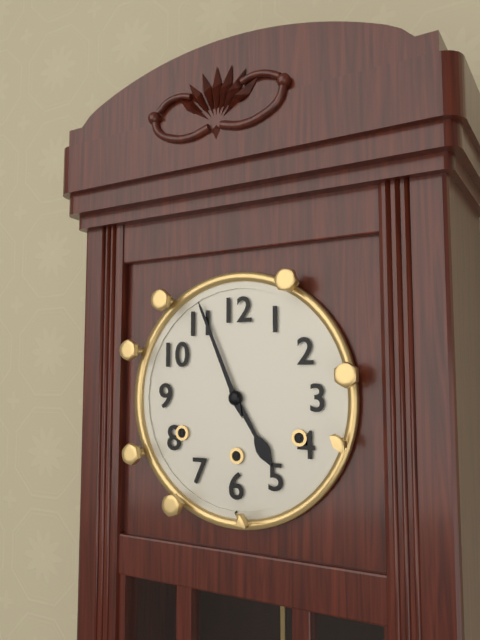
**4:56**
